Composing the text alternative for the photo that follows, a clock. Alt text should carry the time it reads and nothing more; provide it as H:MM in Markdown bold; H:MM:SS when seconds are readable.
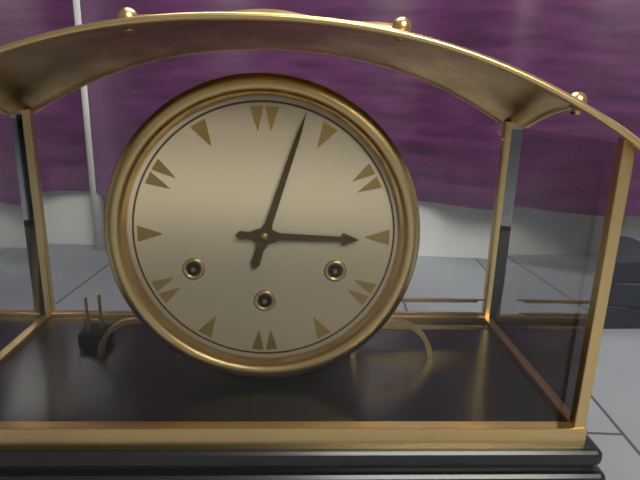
**3:03**
